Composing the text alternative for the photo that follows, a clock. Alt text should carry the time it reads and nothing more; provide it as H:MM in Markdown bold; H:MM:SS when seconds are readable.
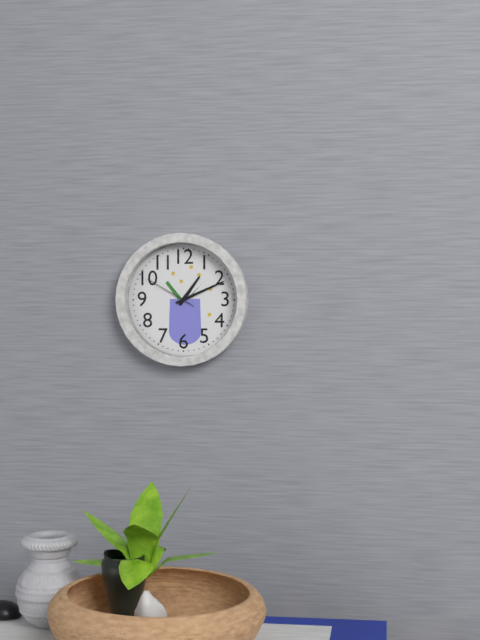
**1:11:50**
